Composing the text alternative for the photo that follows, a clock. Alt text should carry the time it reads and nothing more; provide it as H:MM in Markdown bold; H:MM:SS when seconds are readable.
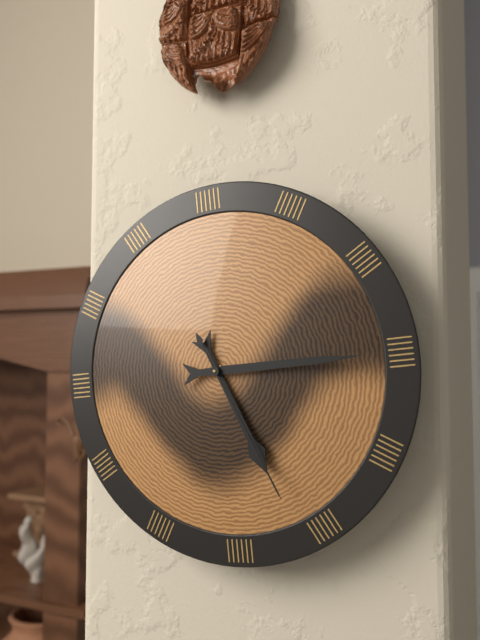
**5:15:26**
